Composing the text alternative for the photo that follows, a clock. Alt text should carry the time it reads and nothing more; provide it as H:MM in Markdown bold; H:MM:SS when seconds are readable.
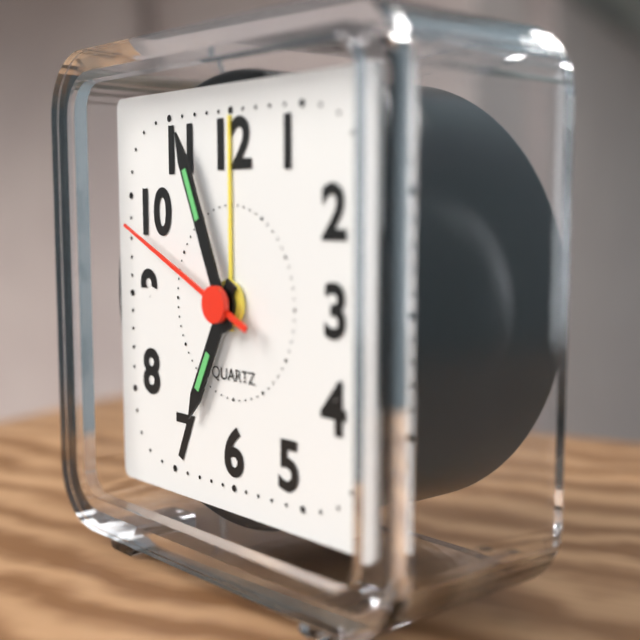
**6:56:49**
